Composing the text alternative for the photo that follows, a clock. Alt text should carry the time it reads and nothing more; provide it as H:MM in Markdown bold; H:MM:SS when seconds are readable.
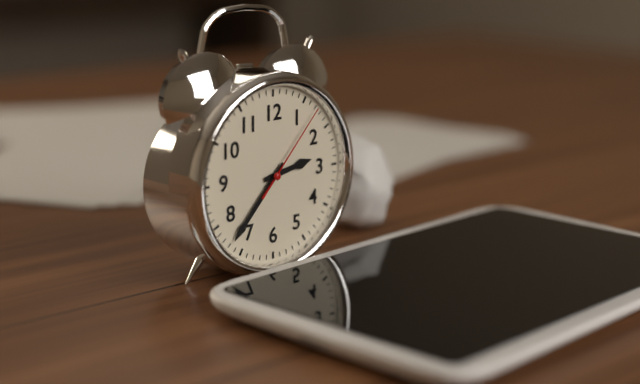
**2:37:07**
